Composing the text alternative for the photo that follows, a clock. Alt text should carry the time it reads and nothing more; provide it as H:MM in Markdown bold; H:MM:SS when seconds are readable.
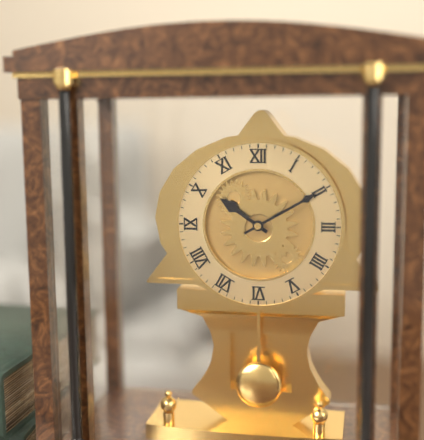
**10:10**
